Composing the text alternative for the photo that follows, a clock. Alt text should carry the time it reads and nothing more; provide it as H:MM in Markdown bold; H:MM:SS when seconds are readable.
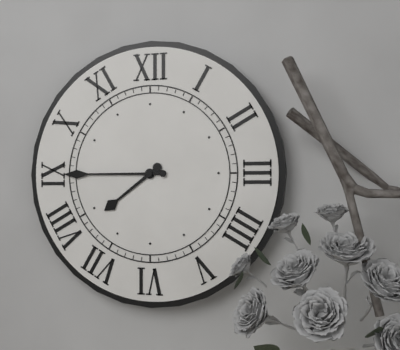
**7:45**
